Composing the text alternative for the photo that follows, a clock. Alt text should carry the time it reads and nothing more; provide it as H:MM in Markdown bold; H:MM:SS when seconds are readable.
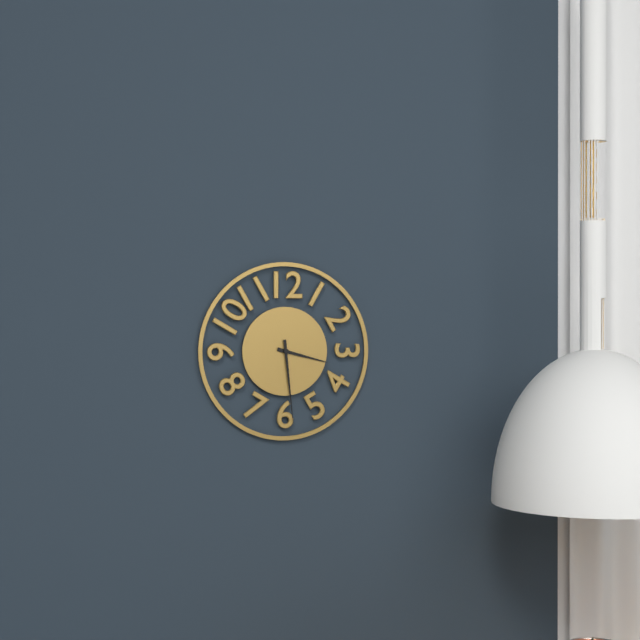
**3:29**
